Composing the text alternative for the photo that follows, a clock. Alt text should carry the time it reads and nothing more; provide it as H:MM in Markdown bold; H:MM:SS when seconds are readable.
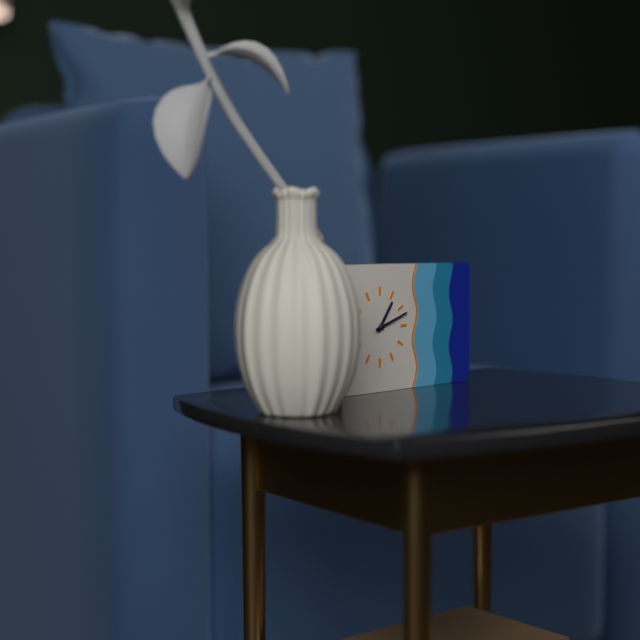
**1:12**
